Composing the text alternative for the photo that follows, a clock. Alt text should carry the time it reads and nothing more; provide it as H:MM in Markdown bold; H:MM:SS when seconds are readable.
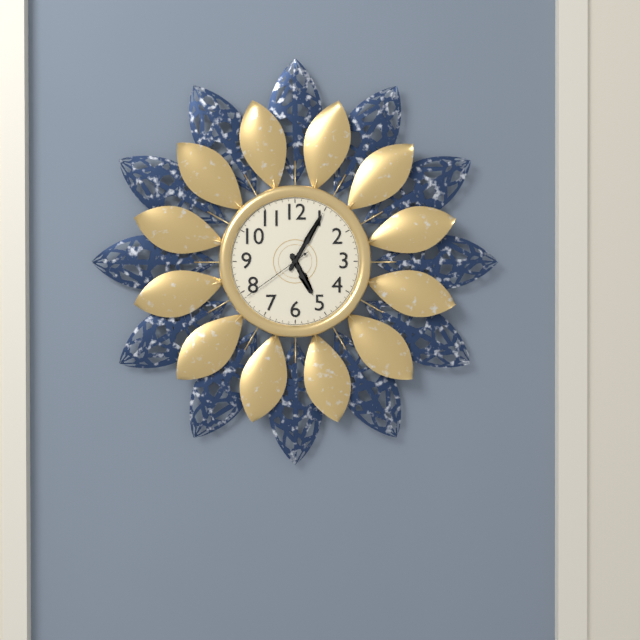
**5:05:39**
